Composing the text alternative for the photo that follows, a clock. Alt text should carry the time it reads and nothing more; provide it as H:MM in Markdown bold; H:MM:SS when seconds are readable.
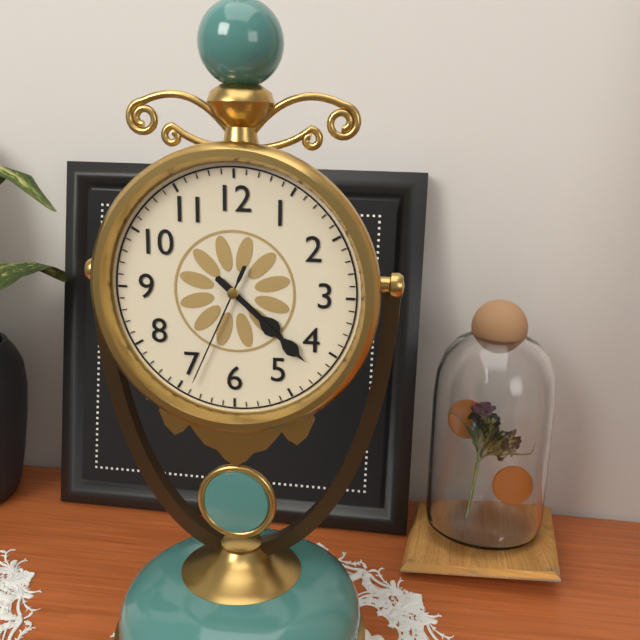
**4:22:34**
